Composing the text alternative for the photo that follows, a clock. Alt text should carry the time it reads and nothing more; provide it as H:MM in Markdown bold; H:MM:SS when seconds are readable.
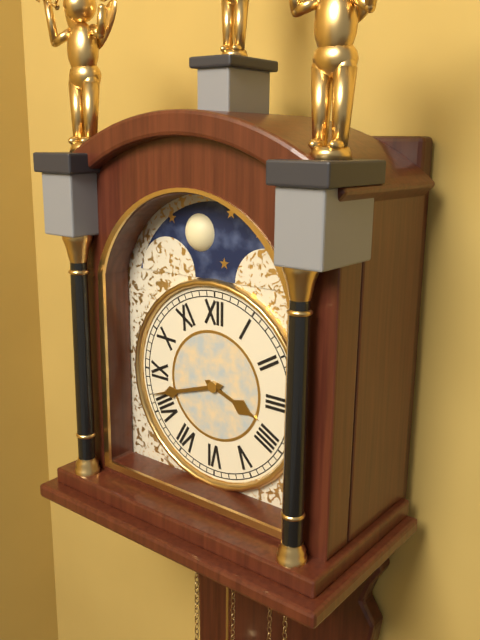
**3:42**
